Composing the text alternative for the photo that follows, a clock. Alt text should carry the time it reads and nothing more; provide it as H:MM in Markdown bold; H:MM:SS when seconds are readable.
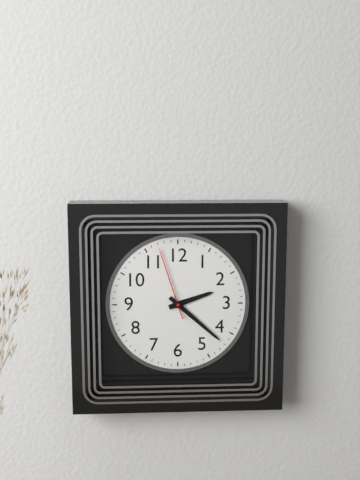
**2:22:57**
